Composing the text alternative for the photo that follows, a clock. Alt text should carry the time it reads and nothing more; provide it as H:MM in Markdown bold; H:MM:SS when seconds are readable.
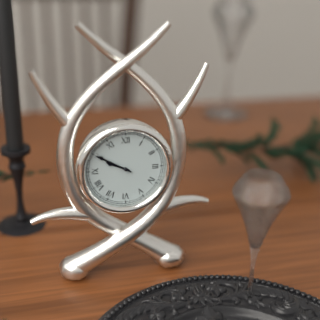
**9:50**
